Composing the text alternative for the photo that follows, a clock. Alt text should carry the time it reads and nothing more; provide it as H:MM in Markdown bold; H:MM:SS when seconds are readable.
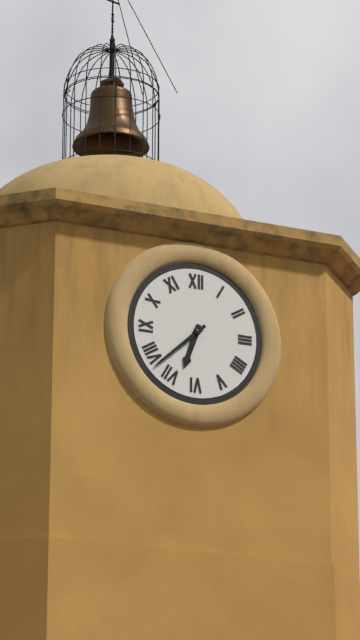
**6:38**
